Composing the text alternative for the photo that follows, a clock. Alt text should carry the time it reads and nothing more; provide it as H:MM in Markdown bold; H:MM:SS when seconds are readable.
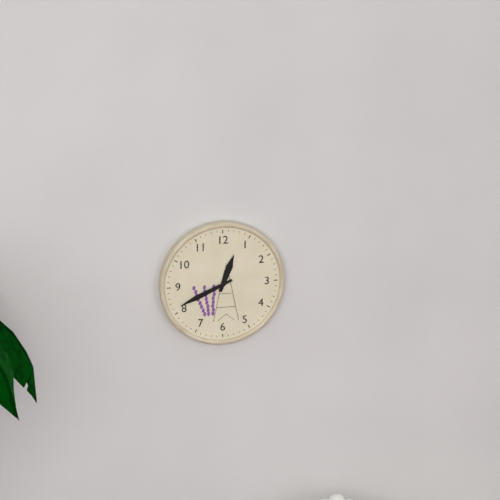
**12:41**
